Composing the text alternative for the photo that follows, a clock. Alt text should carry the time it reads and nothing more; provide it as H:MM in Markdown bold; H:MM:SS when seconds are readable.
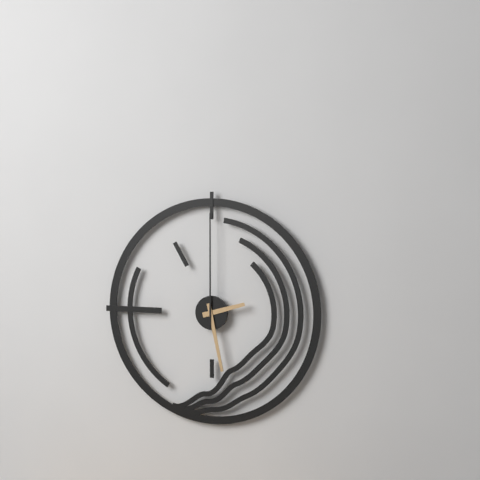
**2:28:00**
